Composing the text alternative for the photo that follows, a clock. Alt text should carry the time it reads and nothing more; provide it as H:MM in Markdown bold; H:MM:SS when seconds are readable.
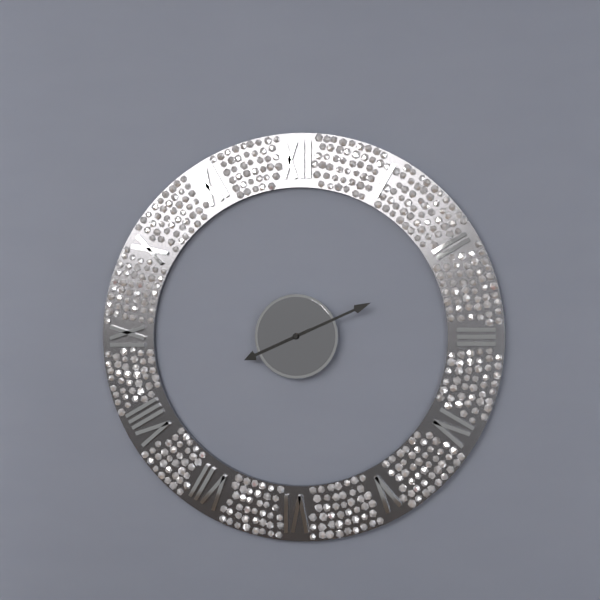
**8:11**
